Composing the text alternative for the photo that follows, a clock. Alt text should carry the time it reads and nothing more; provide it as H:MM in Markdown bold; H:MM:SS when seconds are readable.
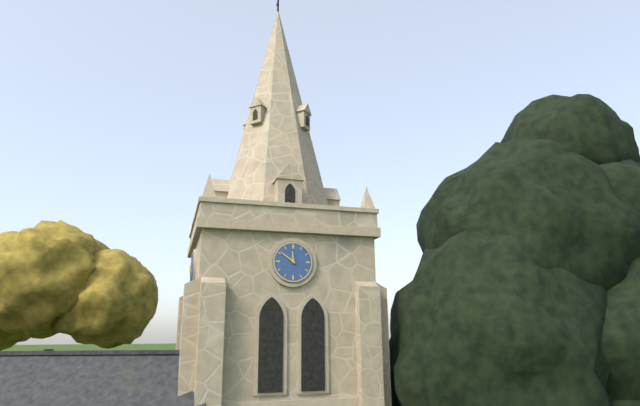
**11:51**
